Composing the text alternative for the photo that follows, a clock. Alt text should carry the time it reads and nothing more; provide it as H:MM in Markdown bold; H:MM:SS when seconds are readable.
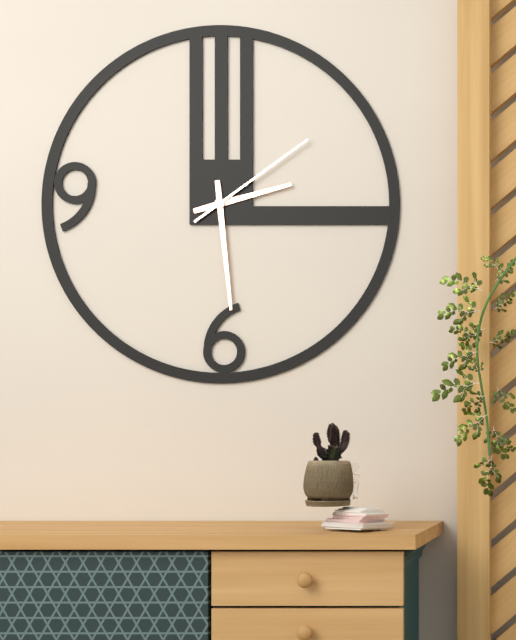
**2:29:09**
